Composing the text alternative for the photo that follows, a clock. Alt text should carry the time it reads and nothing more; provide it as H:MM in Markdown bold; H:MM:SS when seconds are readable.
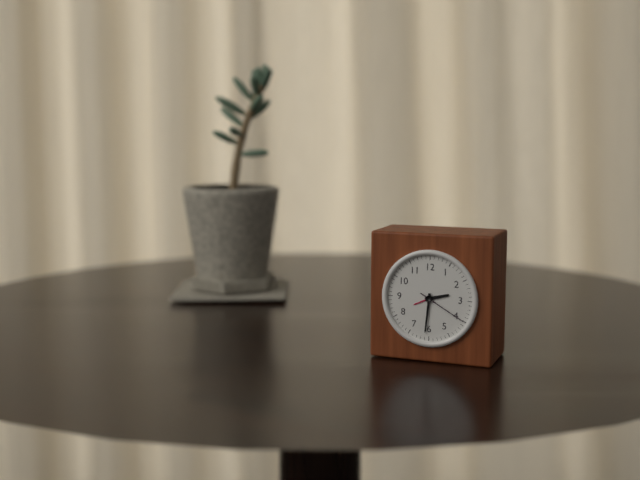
**2:31:20**
